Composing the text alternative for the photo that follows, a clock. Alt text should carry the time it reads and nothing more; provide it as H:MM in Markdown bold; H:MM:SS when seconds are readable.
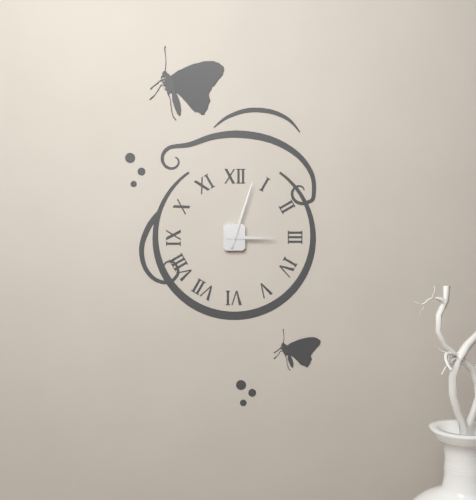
**3:03**
